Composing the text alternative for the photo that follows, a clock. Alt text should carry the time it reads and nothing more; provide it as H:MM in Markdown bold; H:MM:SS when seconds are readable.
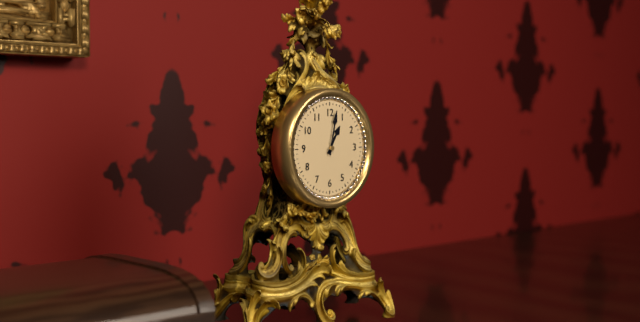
**1:02**
